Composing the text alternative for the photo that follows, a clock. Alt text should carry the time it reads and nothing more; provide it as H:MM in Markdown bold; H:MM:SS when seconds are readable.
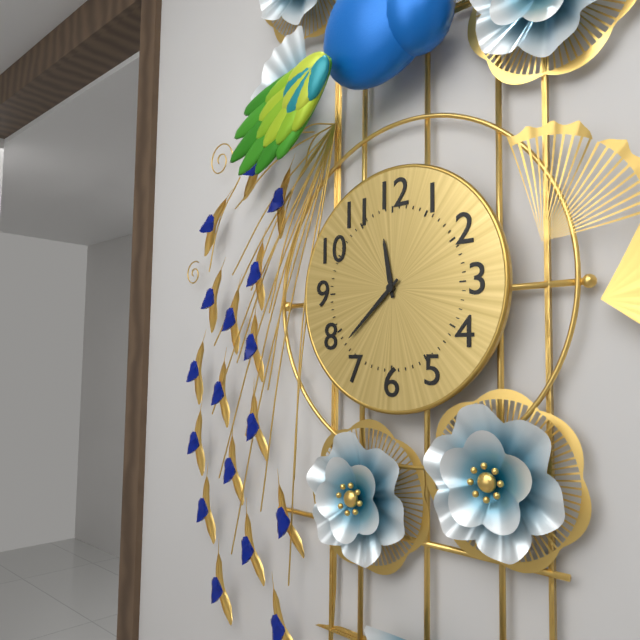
**11:38**
